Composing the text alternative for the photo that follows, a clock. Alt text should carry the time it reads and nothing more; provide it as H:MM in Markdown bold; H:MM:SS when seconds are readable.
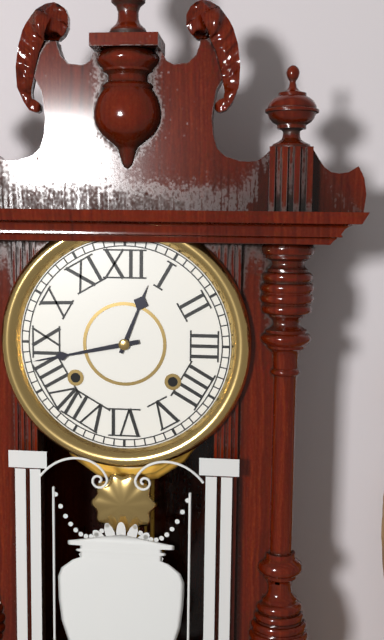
**12:43**
